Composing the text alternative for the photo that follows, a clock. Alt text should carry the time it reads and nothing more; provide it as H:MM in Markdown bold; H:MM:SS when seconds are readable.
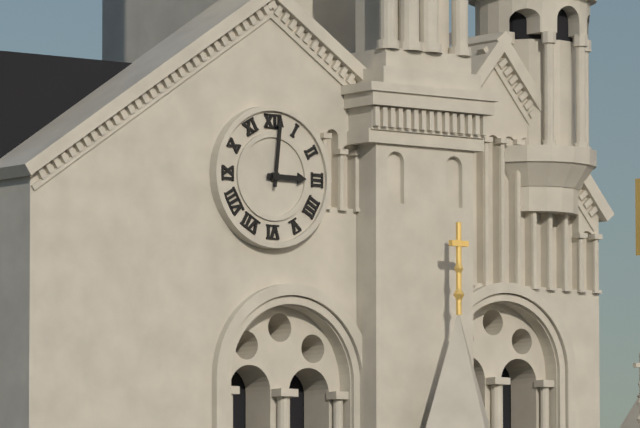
**3:01**
